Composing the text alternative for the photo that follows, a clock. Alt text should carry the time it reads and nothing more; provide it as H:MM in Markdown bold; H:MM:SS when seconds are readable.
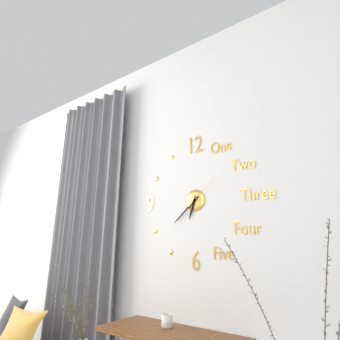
**6:38**
